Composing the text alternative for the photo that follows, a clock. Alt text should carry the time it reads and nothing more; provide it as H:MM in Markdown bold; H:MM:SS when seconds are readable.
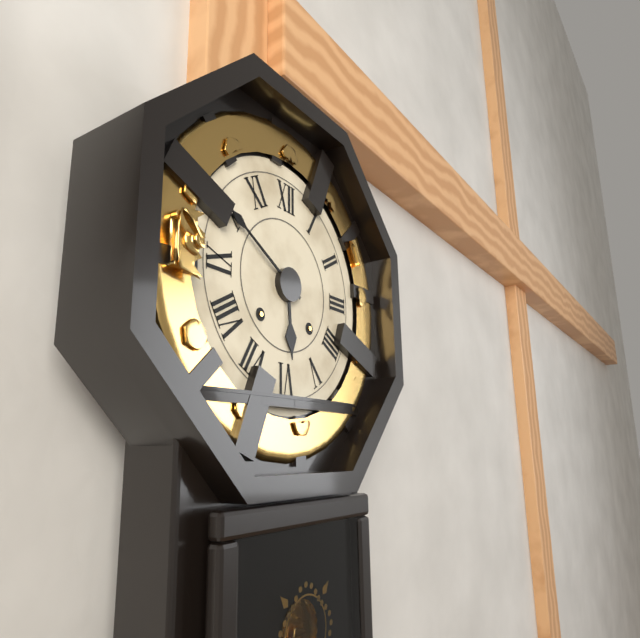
**5:50**
